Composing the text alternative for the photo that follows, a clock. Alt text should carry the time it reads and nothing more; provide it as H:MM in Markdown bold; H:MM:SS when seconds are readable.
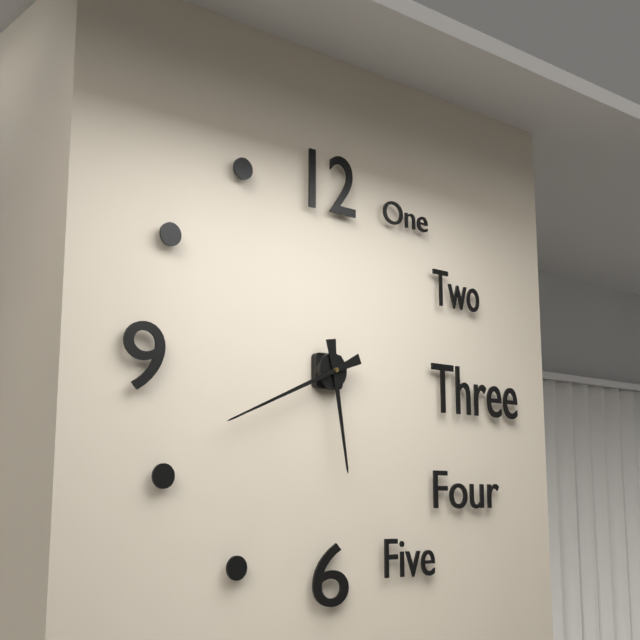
**5:41**
